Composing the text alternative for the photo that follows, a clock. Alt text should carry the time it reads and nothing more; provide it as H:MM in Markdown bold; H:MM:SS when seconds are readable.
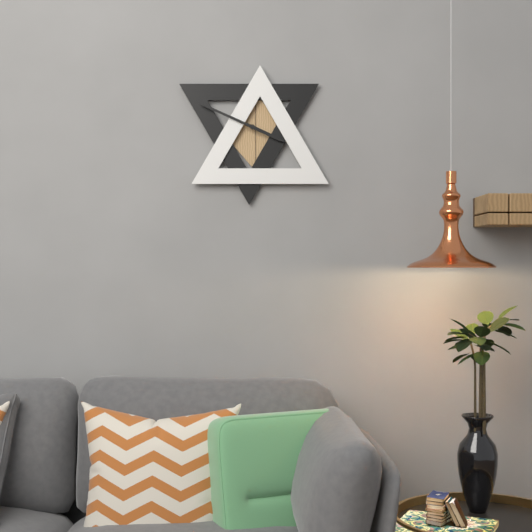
**3:49**
